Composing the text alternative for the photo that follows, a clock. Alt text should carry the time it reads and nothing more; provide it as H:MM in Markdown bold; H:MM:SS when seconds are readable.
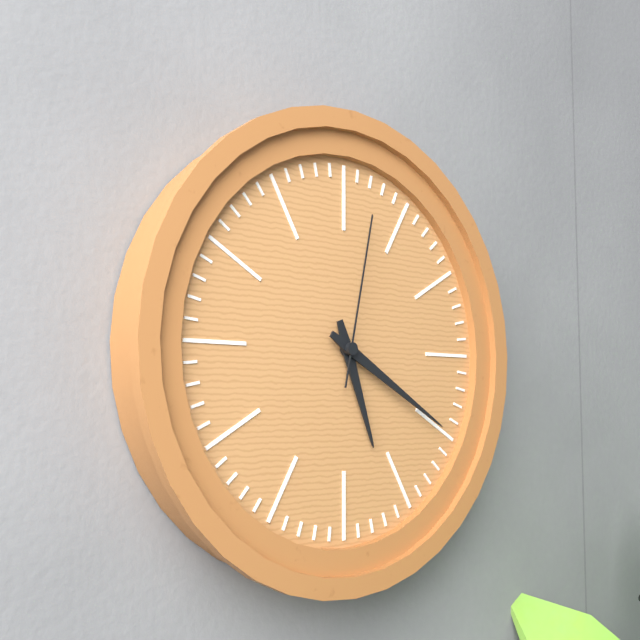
**5:20:02**
